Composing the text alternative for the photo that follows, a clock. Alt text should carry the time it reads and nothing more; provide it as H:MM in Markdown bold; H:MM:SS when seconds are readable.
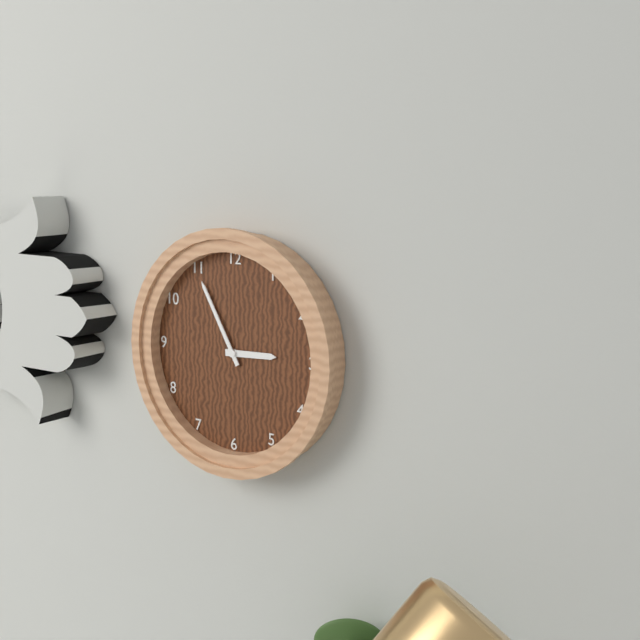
**2:55**
